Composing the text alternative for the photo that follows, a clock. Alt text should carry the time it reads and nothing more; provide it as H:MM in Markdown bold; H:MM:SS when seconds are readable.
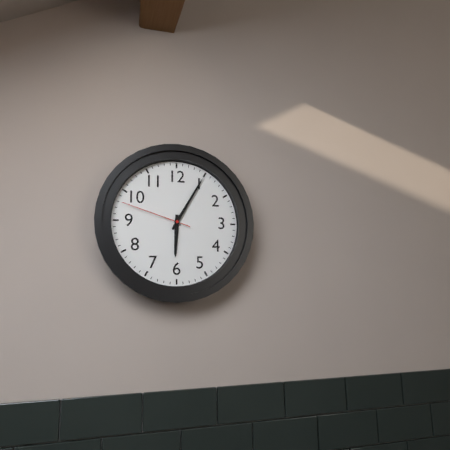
**6:05:48**
